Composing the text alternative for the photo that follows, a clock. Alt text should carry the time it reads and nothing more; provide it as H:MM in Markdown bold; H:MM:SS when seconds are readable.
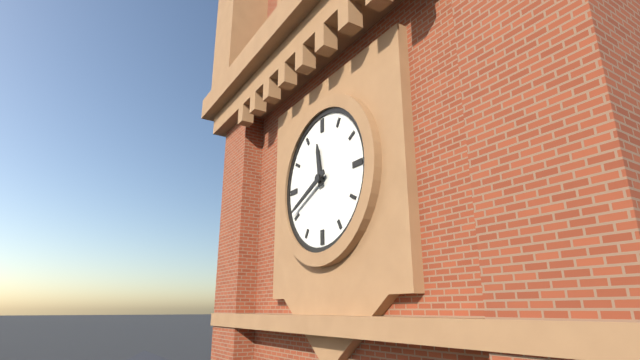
**11:41**
